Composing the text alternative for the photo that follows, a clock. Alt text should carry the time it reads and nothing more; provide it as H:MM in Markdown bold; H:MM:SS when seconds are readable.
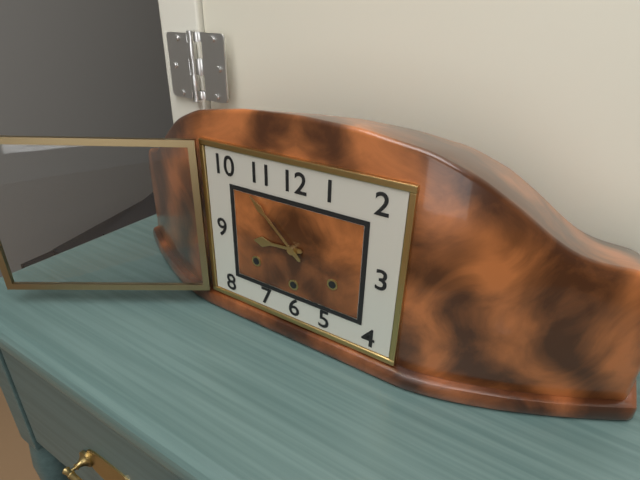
**8:52**
